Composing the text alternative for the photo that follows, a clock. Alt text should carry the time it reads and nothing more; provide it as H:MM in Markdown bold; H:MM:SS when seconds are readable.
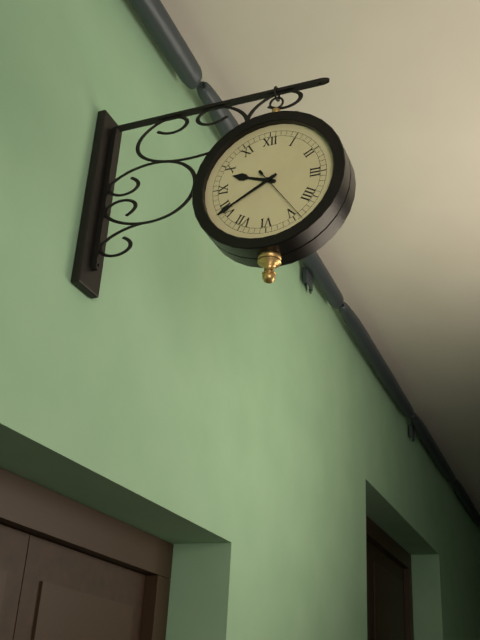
**9:40:24**
